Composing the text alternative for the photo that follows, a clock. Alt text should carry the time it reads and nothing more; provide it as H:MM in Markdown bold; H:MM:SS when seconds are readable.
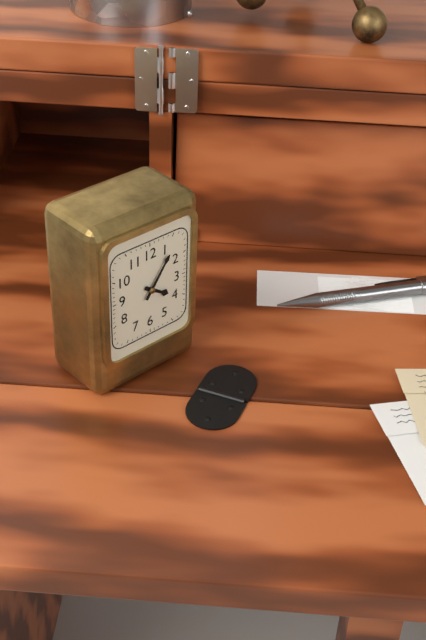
**4:06**
